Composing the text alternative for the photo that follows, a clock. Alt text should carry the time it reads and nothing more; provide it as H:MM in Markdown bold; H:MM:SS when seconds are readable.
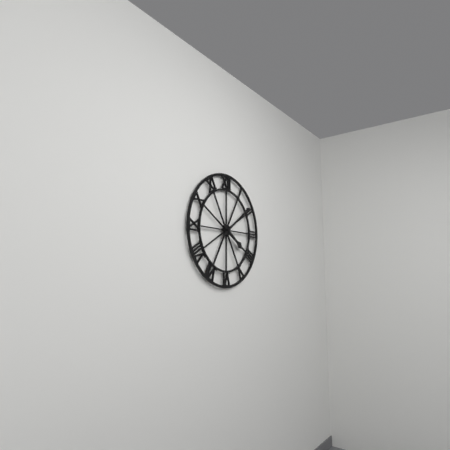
**4:09**
